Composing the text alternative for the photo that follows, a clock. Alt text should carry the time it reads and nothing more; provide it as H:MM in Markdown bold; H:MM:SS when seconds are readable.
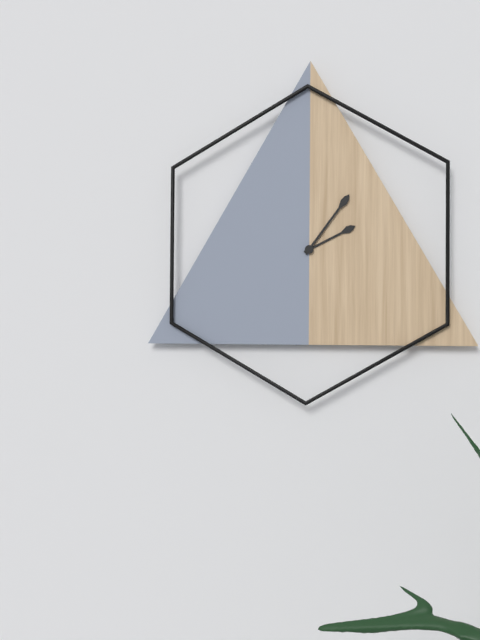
**2:06**
